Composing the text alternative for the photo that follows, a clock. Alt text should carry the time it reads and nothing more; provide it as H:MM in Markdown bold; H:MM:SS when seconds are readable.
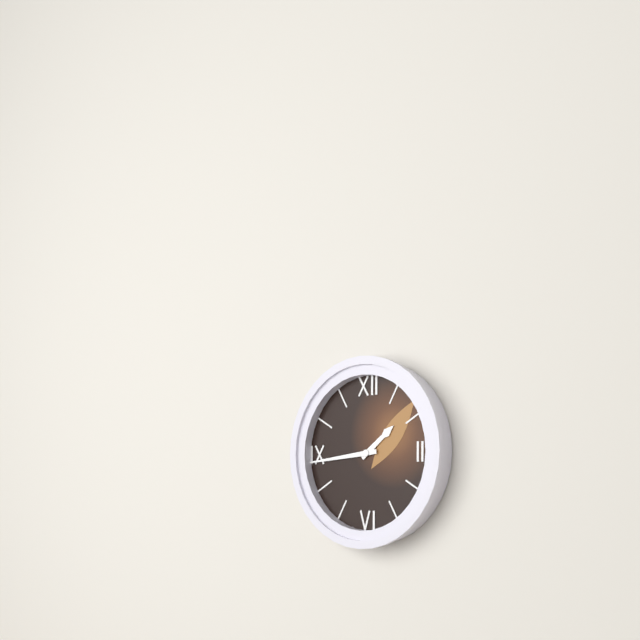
**1:44**
